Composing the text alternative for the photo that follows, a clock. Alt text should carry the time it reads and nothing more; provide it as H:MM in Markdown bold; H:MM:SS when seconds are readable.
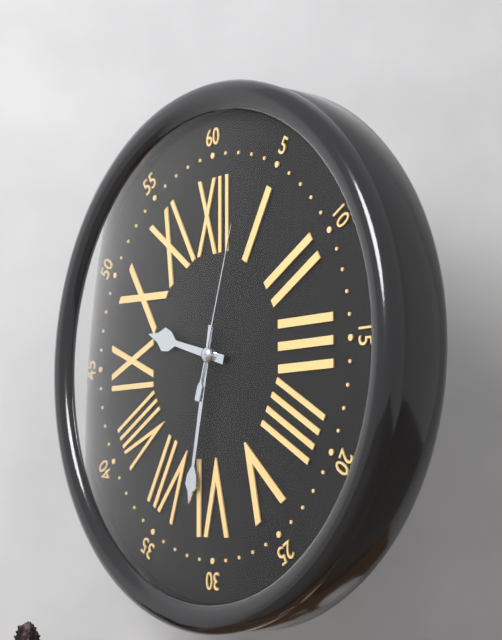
**9:32:03**
